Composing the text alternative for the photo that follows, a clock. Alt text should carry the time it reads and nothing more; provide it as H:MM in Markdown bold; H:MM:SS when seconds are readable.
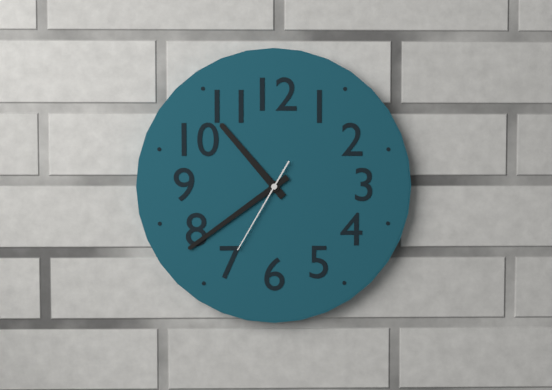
**10:39:35**
